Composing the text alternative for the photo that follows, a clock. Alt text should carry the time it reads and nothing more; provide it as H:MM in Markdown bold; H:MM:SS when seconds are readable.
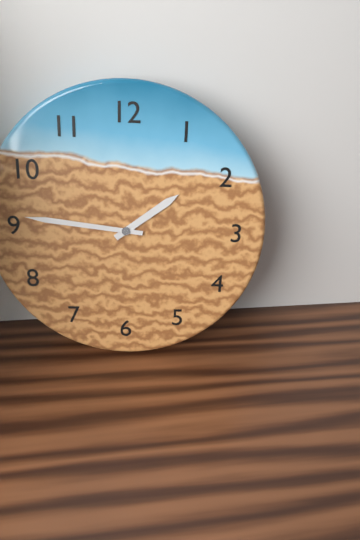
**1:46**
